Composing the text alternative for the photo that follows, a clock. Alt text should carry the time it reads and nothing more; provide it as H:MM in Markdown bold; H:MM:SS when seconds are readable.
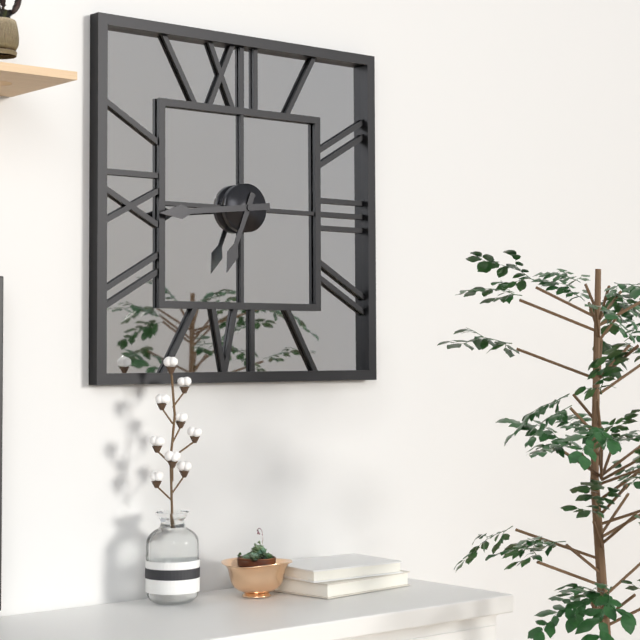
**6:44**
